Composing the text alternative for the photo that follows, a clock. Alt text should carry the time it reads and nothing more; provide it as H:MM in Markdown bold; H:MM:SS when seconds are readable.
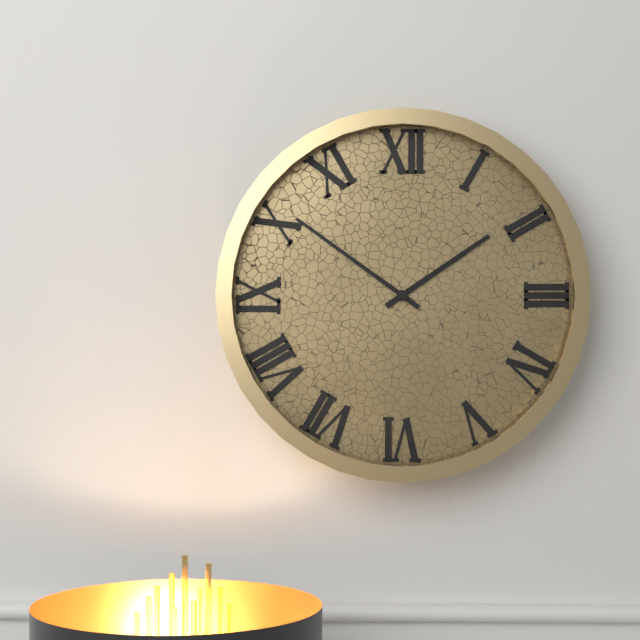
**1:51**
